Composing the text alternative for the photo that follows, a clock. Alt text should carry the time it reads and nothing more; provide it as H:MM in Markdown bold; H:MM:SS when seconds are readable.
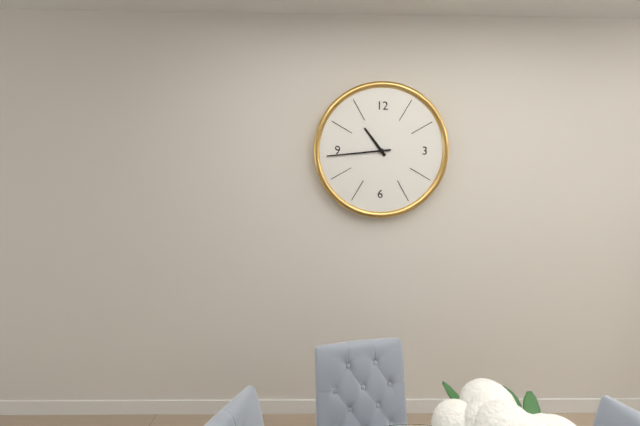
**10:44**
